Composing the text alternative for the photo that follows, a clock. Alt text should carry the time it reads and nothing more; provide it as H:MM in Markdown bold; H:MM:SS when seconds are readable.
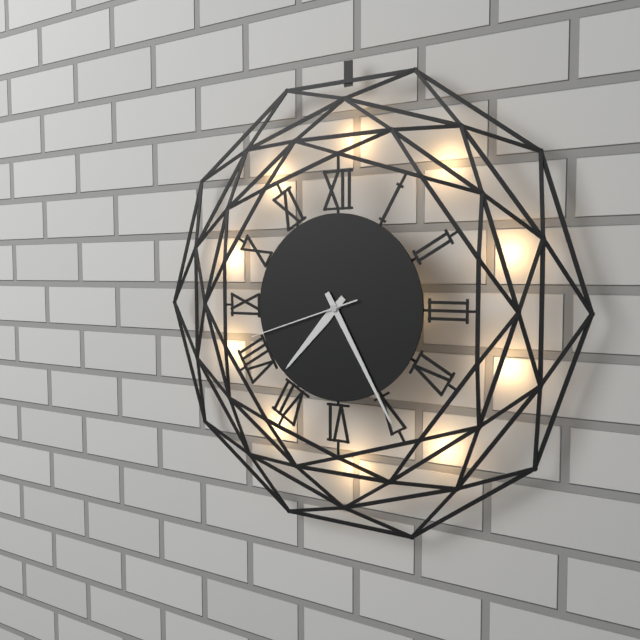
**7:25:42**
